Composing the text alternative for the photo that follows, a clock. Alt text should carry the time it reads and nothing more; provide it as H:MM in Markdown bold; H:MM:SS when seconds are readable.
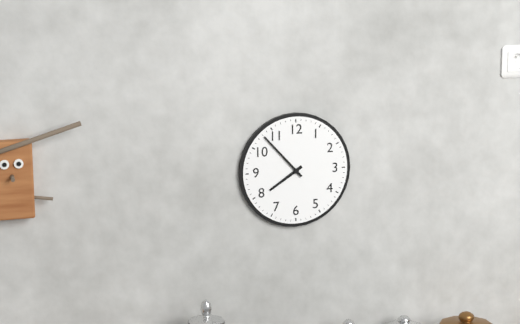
**7:53**
